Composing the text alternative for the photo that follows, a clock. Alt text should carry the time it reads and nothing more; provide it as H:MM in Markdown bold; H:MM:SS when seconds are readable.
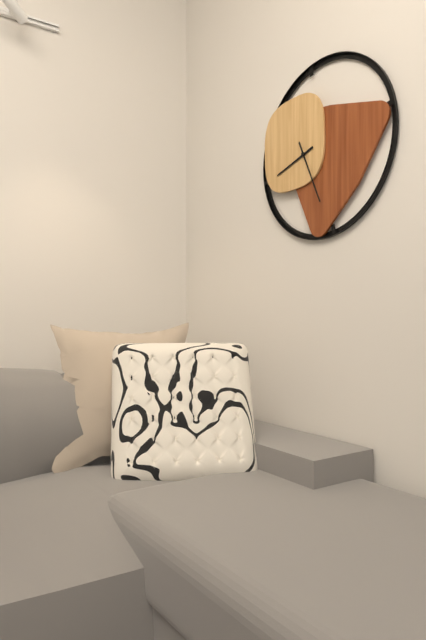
**8:26**
